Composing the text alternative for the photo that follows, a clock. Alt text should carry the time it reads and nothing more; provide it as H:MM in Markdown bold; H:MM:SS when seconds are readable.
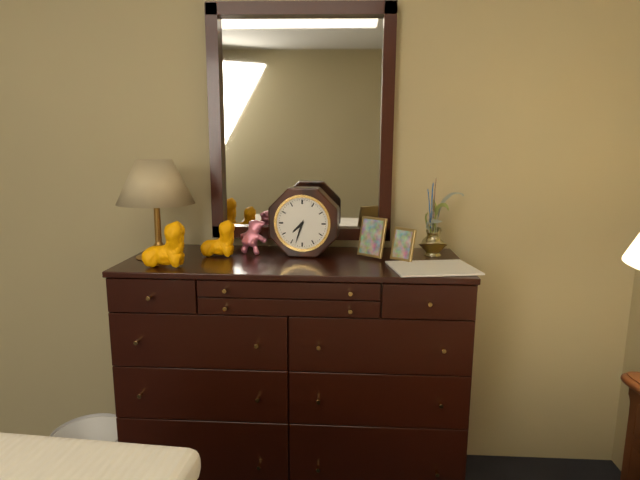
**7:33**
